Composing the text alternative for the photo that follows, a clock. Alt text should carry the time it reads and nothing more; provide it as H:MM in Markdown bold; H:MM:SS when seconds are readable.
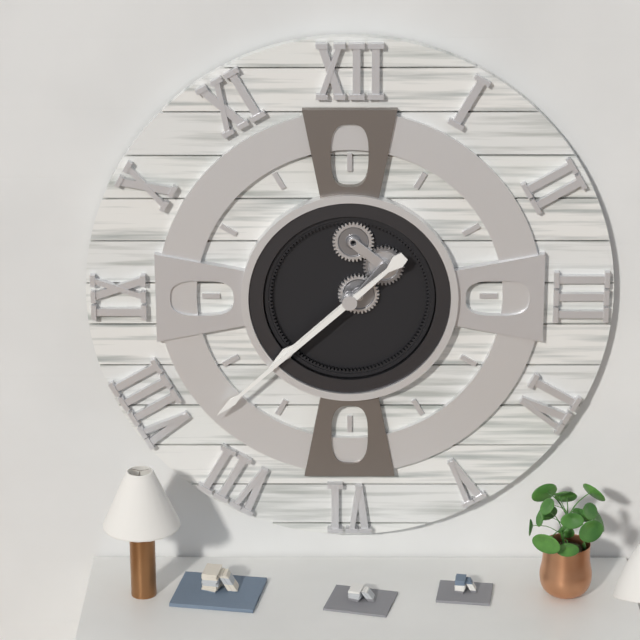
**7:38**
